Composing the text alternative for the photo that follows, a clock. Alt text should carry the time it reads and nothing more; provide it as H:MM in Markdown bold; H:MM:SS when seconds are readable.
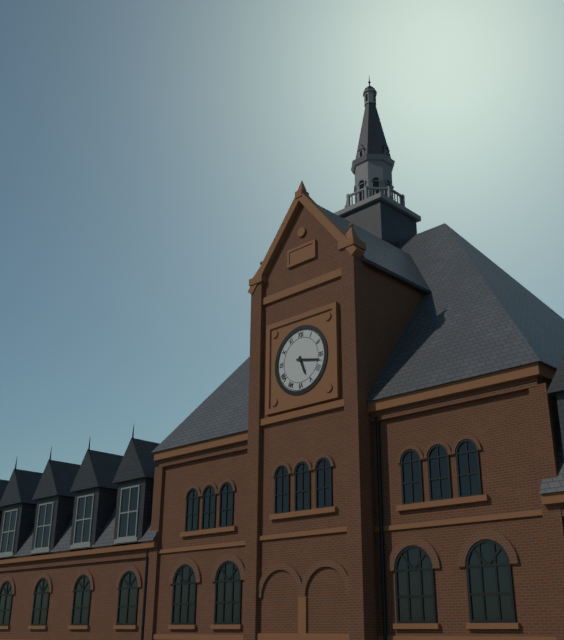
**5:17**
